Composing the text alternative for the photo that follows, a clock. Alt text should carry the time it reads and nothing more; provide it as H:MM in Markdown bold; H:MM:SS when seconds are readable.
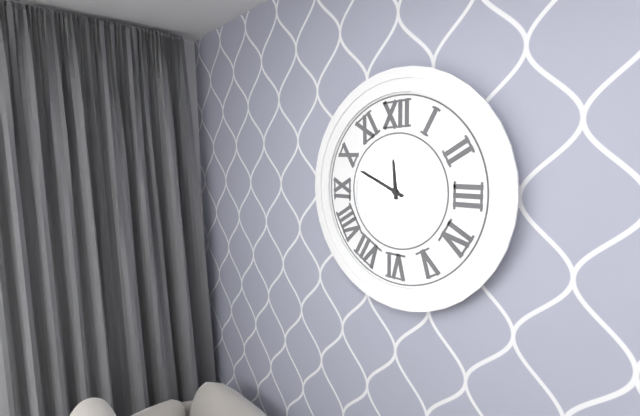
**11:49**
